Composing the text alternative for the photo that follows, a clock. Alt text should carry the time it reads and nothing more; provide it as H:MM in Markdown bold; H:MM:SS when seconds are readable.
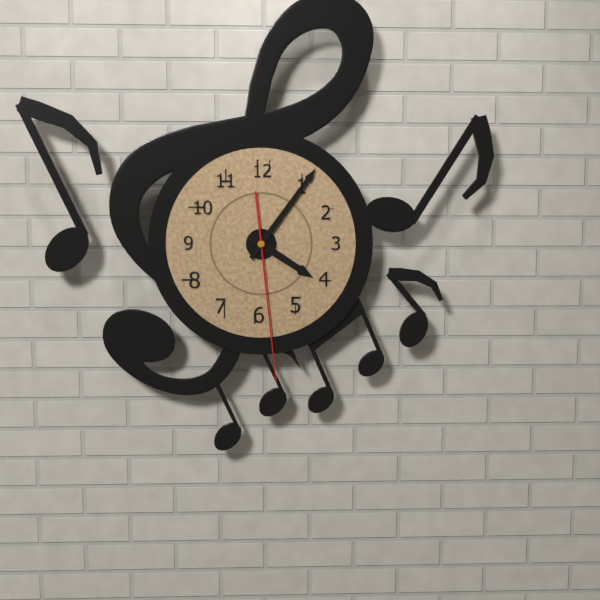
**4:06:29**
